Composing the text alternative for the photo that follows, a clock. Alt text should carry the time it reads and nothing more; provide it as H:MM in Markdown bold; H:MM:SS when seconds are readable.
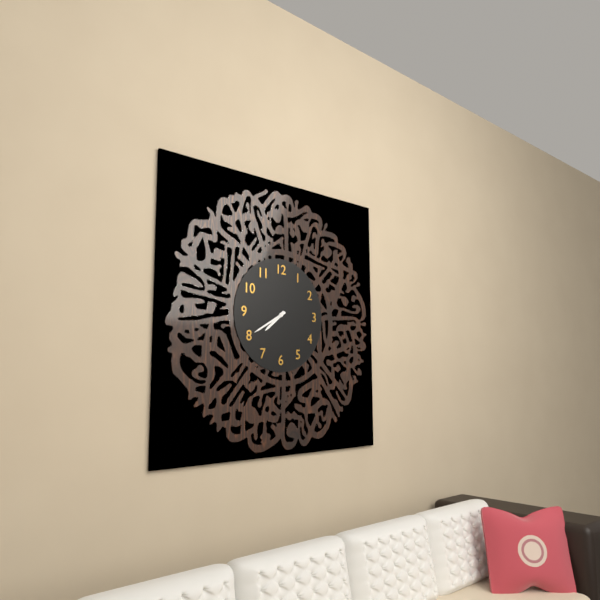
**7:40**
